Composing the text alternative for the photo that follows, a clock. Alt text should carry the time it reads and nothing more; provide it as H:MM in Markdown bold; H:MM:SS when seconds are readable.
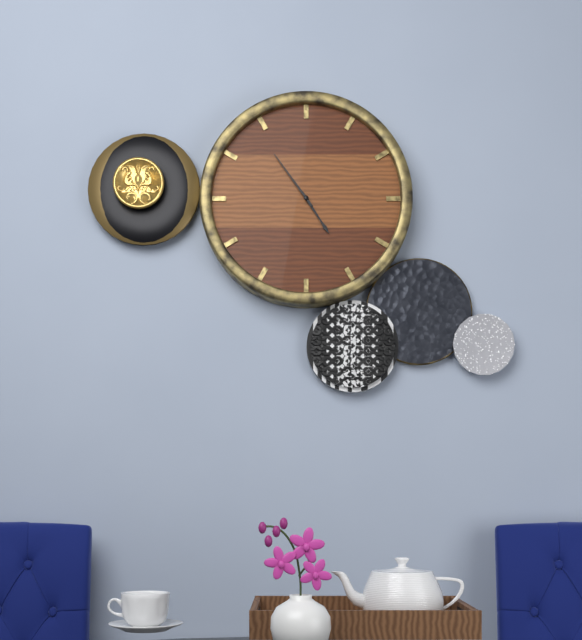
**4:54**
